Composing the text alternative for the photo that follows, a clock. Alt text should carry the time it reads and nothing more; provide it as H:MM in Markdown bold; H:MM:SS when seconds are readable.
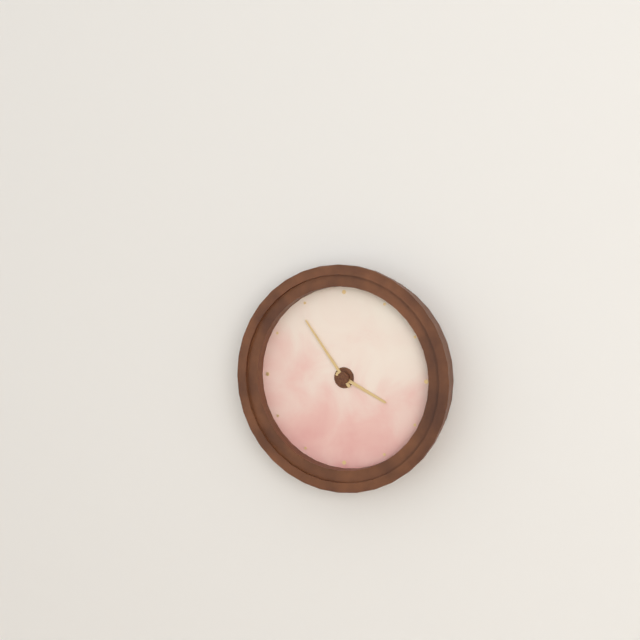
**3:54**
